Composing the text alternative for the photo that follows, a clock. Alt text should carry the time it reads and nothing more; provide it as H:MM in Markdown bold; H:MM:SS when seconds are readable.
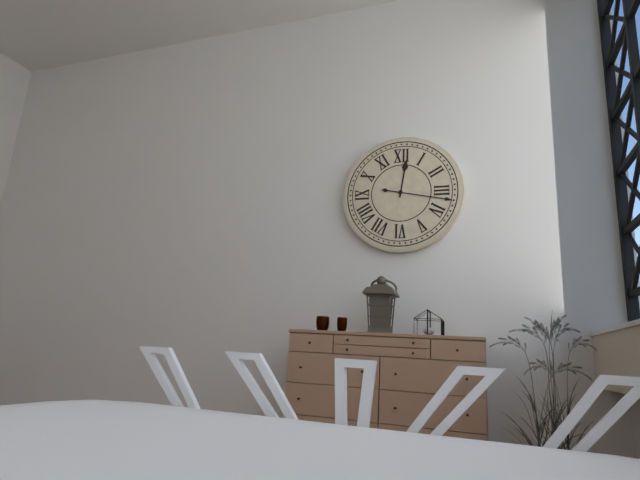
**12:17**
